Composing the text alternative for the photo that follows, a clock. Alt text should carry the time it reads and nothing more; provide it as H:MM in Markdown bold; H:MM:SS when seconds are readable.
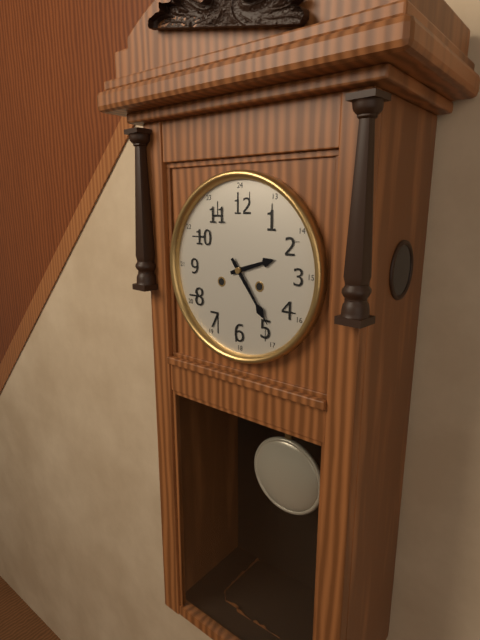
**2:24**
